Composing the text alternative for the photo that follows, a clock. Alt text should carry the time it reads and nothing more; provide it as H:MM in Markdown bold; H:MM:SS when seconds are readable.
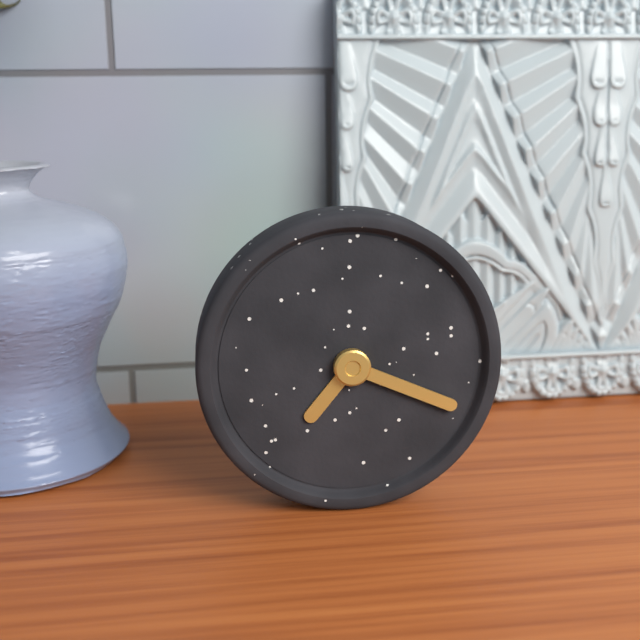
**7:19**
